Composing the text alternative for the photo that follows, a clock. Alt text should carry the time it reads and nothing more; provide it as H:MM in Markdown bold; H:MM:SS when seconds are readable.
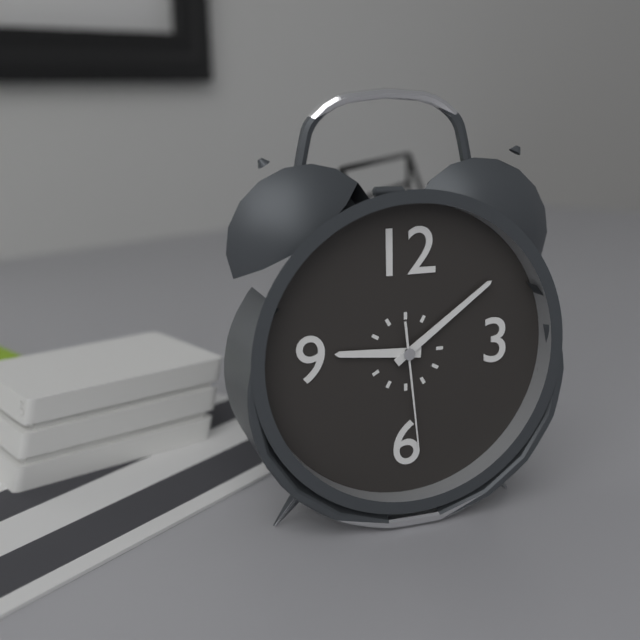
**9:09:29**
